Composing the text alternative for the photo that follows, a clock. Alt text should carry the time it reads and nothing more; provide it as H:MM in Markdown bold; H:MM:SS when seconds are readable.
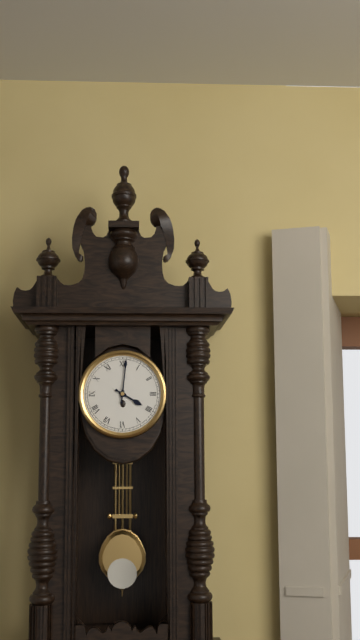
**4:01**
